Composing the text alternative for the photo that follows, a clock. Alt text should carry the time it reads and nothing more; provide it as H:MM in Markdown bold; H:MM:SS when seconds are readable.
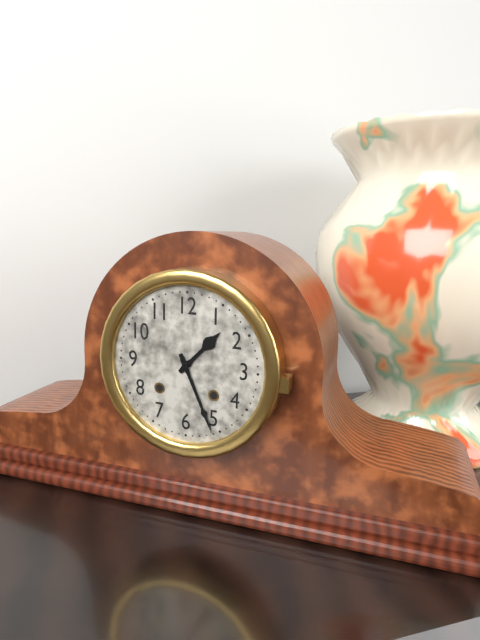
**1:26**
